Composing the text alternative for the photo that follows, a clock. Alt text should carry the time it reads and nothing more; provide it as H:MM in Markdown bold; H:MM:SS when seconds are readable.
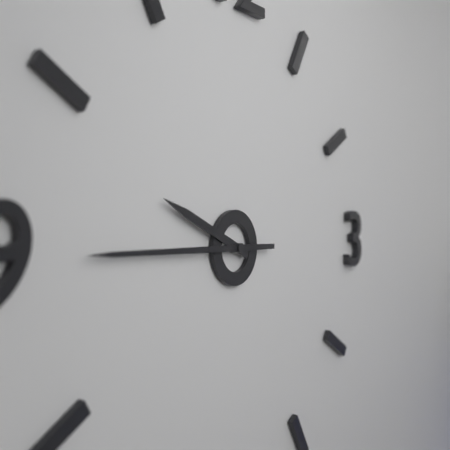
**9:45**
